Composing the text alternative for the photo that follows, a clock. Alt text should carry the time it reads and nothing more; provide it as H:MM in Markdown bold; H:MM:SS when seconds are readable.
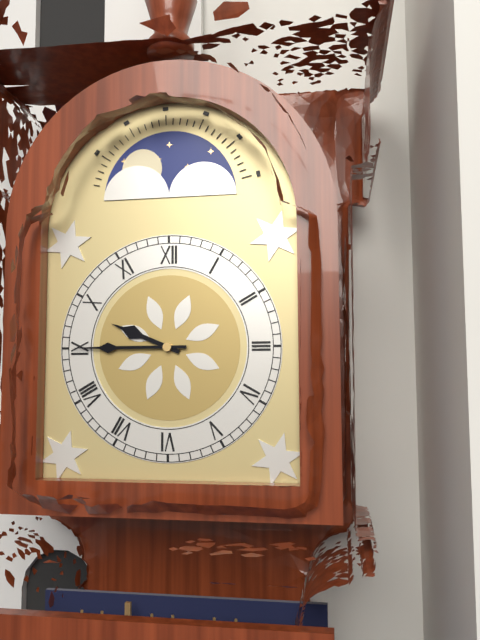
**9:45**
